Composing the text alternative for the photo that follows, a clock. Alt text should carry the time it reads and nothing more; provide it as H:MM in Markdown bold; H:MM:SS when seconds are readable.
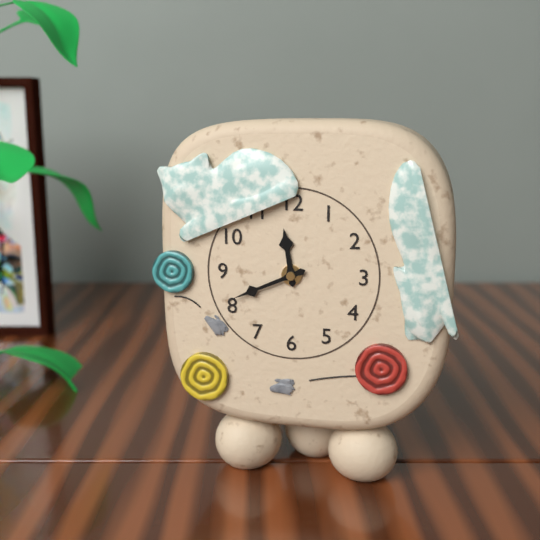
**11:41**
